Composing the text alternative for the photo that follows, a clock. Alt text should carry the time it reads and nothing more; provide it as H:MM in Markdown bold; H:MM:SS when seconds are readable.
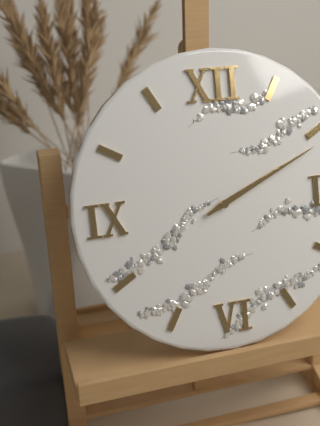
**2:11**
